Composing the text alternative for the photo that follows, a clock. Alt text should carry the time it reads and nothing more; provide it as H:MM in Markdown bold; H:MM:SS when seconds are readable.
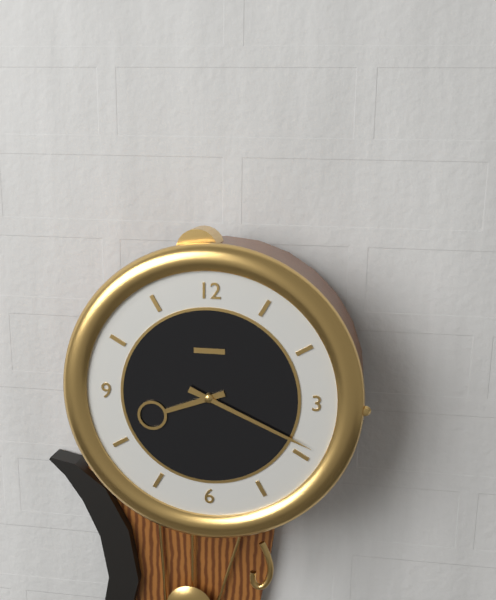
**8:19**
